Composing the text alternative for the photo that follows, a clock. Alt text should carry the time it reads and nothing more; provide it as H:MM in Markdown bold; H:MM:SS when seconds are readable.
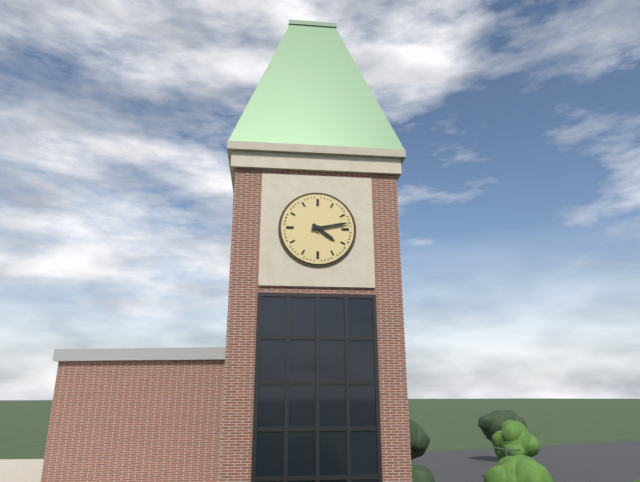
**4:13**
